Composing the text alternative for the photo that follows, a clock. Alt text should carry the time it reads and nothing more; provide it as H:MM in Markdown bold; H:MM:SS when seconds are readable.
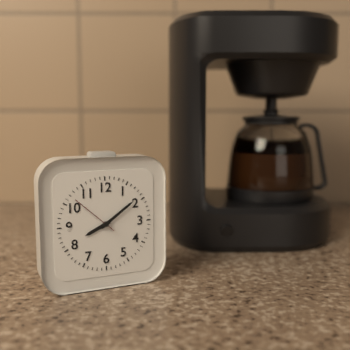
**8:09**
